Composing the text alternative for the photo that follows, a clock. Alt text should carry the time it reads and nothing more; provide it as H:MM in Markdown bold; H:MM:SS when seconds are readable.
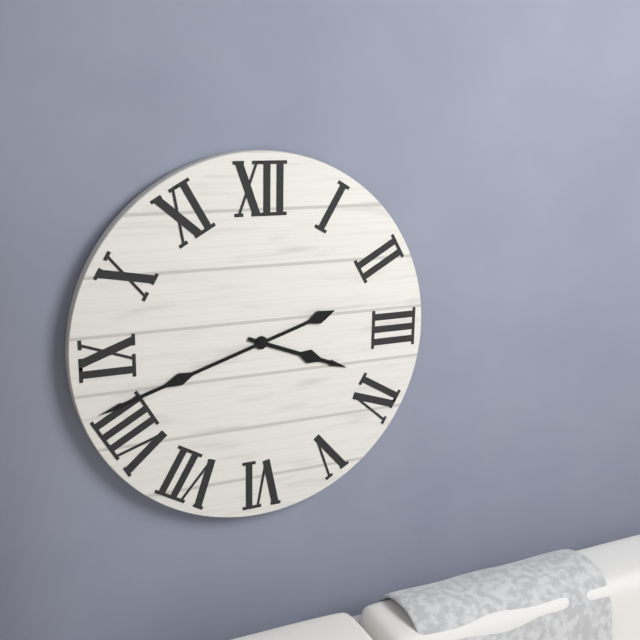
**3:42**
